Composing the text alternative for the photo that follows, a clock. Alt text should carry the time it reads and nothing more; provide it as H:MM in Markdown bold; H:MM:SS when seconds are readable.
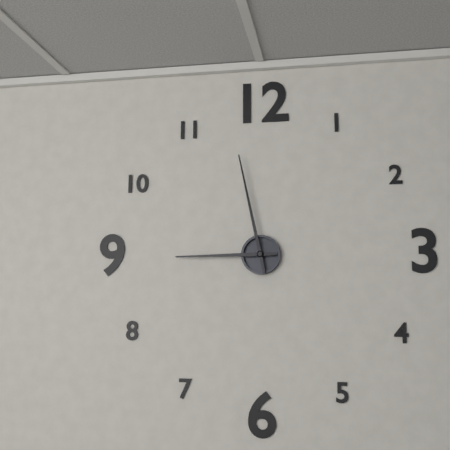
**8:58**
